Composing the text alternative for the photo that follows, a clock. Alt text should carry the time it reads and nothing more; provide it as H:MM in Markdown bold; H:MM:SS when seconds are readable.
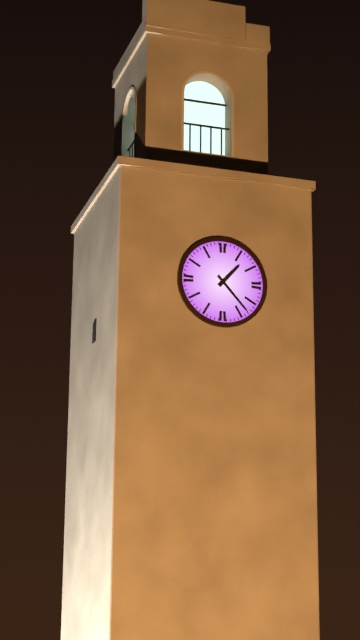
**1:23**
